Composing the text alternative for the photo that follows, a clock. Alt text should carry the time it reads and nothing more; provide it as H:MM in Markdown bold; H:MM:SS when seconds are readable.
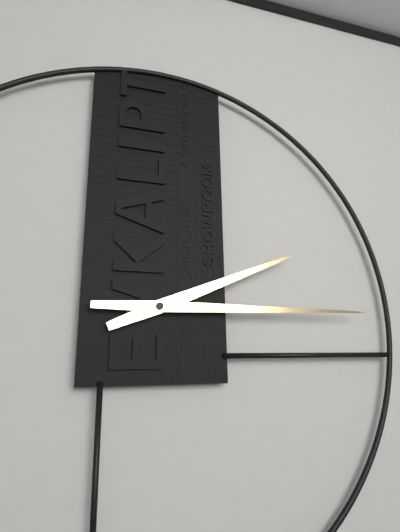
**2:15**
